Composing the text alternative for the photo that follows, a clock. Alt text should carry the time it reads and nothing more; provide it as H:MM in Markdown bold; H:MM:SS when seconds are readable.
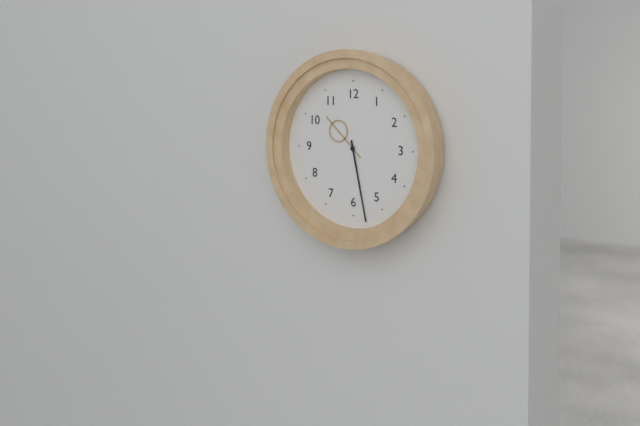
**10:28**
